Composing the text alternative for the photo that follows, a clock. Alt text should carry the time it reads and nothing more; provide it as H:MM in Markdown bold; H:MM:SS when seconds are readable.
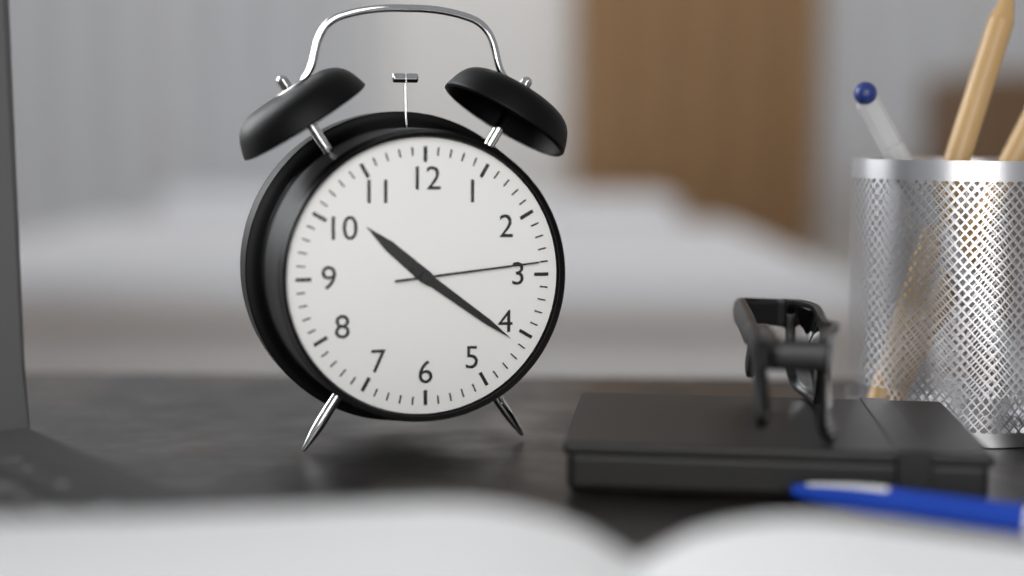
**10:21:14**
